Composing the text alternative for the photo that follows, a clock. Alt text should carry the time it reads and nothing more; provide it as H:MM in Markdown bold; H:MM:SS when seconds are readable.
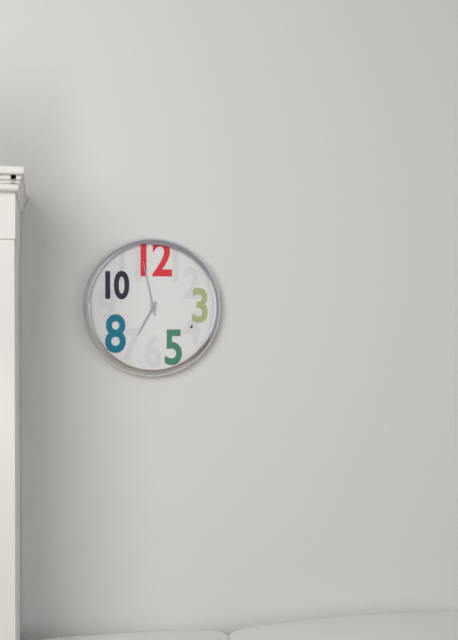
**6:58**
